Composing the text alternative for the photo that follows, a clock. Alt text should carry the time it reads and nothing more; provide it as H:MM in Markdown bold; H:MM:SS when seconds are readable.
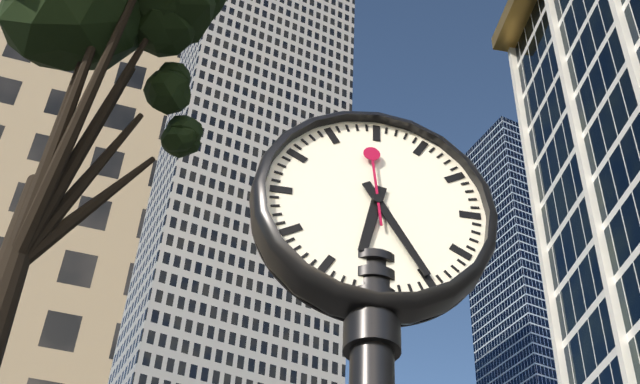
**6:25:59**
